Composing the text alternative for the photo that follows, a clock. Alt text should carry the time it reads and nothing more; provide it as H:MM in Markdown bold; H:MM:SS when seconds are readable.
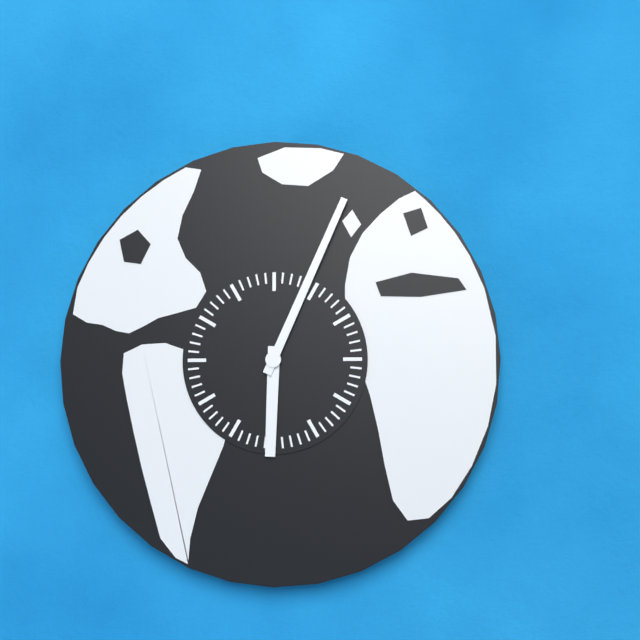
**6:04**
